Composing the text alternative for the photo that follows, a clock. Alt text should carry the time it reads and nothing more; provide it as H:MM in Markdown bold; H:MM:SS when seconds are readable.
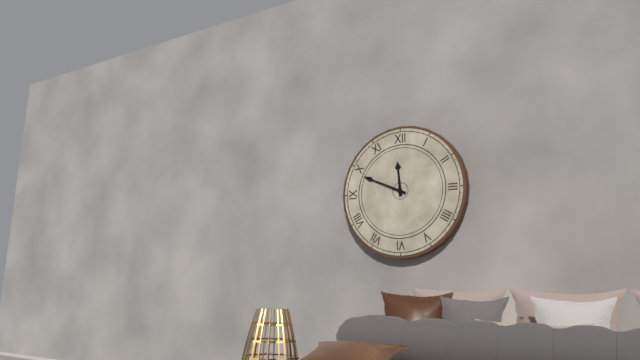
**11:49**
